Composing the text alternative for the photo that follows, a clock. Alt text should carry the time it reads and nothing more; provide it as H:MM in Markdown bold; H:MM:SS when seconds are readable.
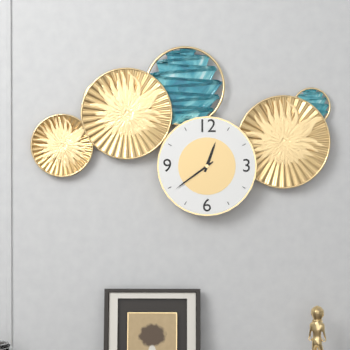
**12:39**
